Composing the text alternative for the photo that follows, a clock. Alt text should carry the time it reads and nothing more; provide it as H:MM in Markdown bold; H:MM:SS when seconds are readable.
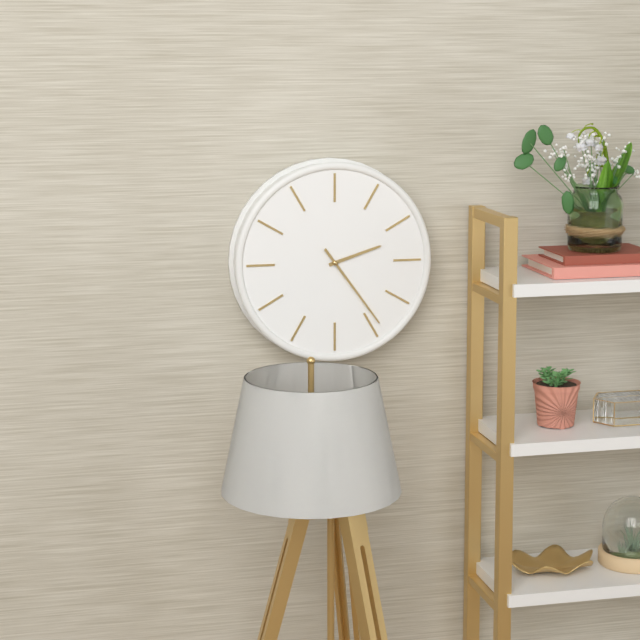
**2:24**
